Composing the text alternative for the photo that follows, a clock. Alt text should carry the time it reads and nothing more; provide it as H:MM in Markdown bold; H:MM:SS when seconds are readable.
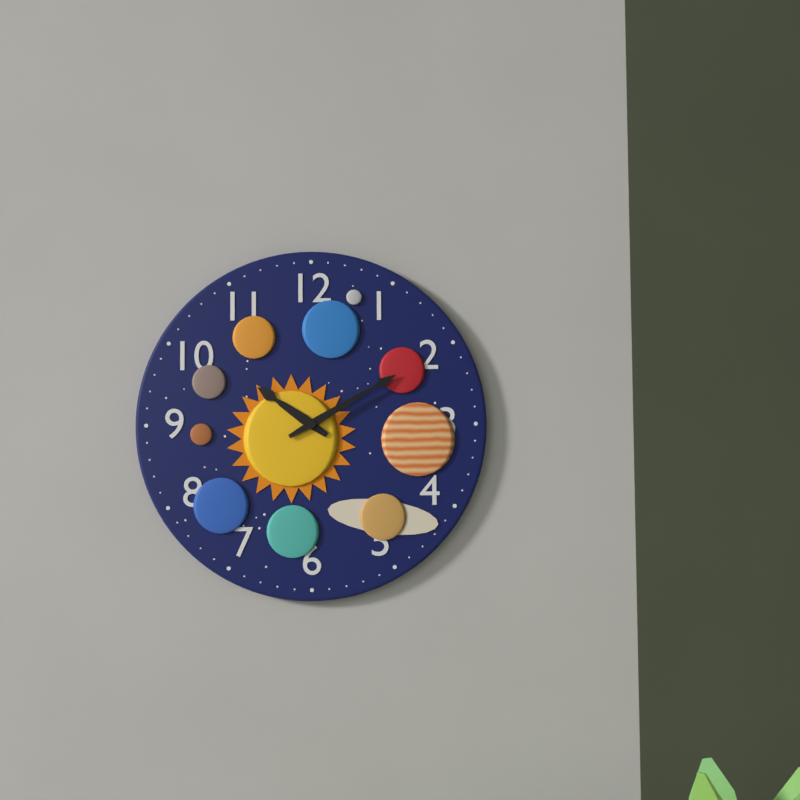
**10:10**
